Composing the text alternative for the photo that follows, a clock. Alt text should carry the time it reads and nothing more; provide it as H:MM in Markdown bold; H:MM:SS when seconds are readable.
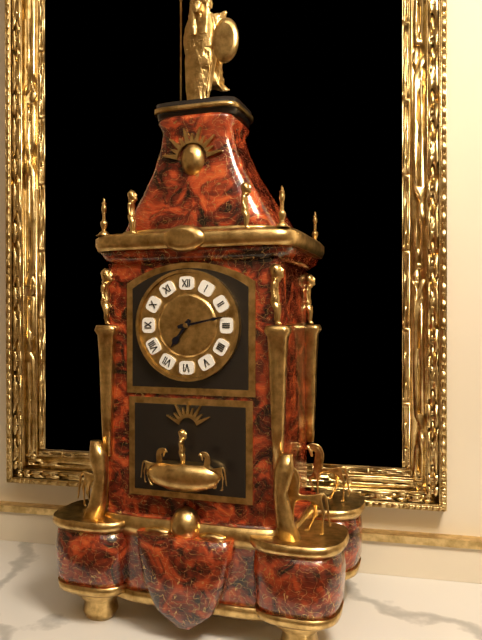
**7:13**
